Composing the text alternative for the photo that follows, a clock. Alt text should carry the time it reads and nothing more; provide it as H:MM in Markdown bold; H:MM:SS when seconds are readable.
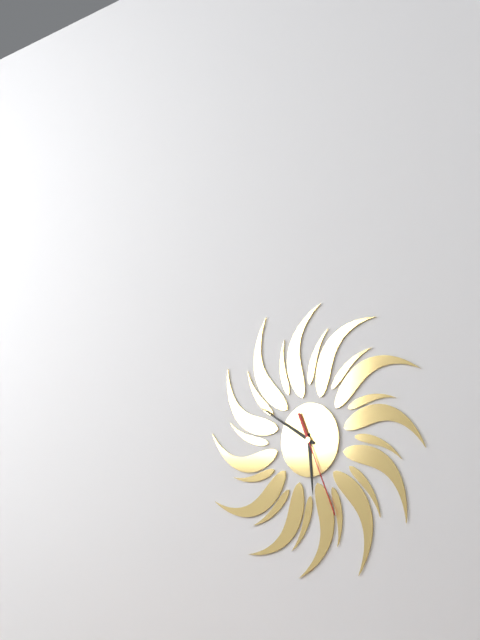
**5:50:26**
